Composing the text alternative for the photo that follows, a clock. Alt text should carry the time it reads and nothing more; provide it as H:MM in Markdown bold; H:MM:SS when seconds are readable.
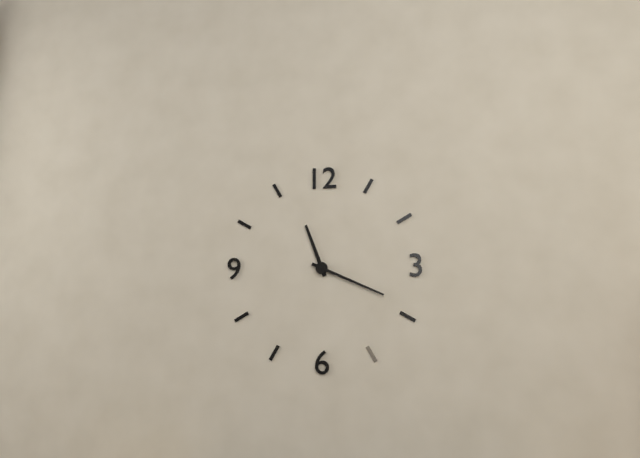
**11:19**
